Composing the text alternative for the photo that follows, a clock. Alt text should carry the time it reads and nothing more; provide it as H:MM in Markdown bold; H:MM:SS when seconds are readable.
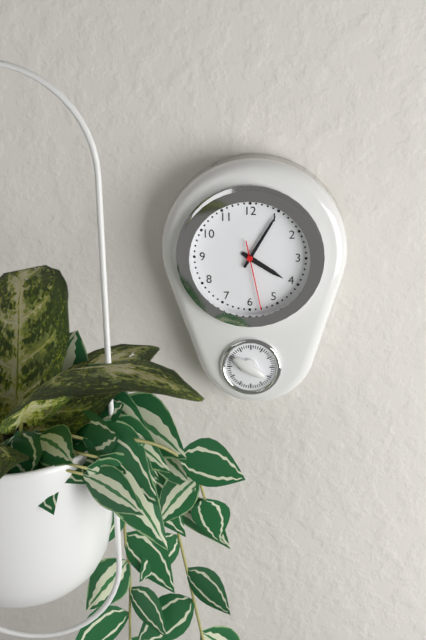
**4:05:28**
